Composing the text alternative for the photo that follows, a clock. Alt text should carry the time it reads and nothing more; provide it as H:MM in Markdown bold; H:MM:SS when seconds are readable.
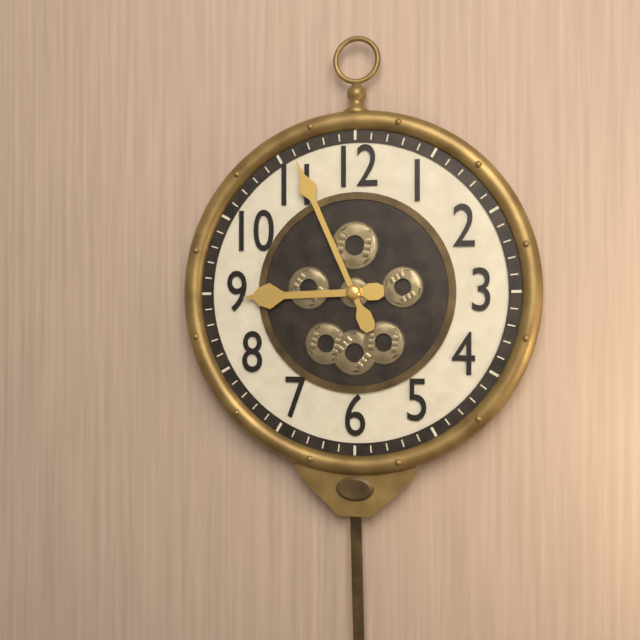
**8:56**
